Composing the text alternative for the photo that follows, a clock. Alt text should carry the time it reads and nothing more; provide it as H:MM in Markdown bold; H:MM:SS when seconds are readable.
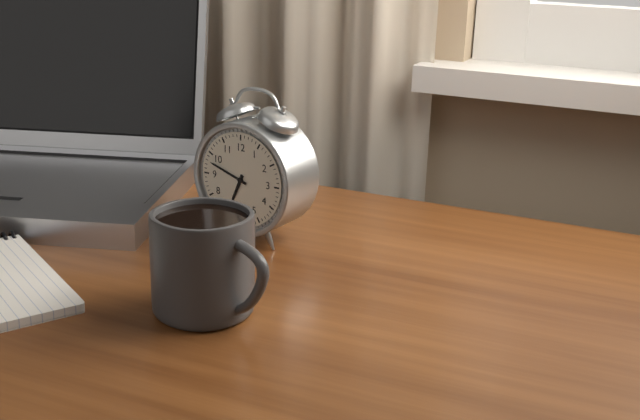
**6:48**
